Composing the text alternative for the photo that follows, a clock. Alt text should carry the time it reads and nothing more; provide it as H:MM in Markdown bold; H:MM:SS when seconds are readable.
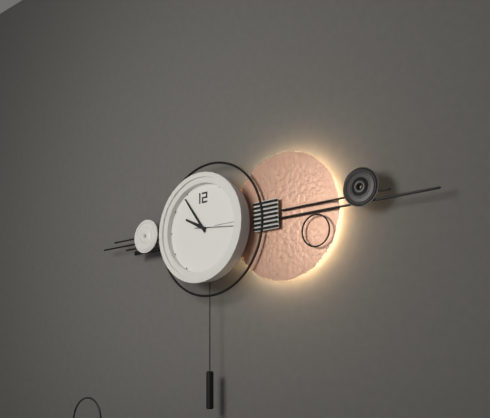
**9:54**
